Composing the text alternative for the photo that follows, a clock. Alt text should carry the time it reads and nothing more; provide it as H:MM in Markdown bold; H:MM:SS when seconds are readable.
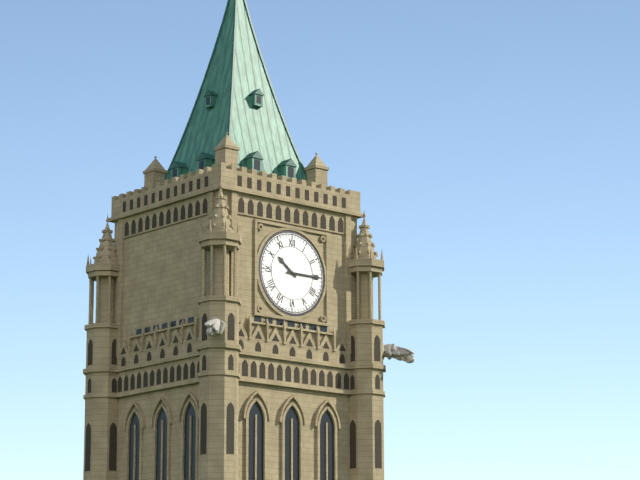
**10:15**
